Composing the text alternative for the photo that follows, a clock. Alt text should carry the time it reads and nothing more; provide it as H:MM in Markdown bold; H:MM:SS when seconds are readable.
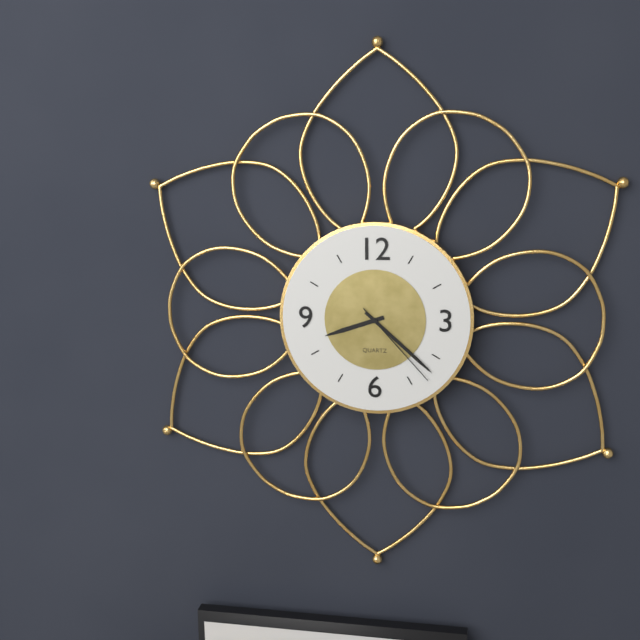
**8:22:23**
